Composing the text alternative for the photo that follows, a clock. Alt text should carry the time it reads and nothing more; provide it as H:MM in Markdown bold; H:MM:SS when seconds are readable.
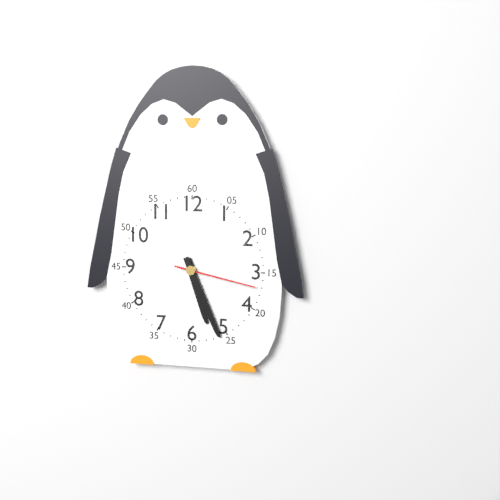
**5:26:17**
